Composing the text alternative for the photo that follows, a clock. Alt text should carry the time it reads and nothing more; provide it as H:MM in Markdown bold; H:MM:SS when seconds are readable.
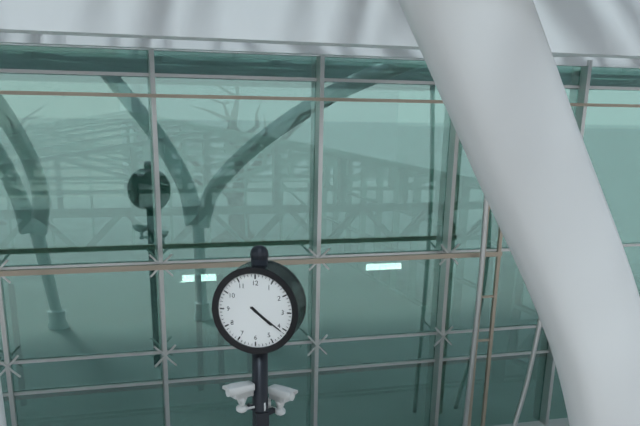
**4:21**
